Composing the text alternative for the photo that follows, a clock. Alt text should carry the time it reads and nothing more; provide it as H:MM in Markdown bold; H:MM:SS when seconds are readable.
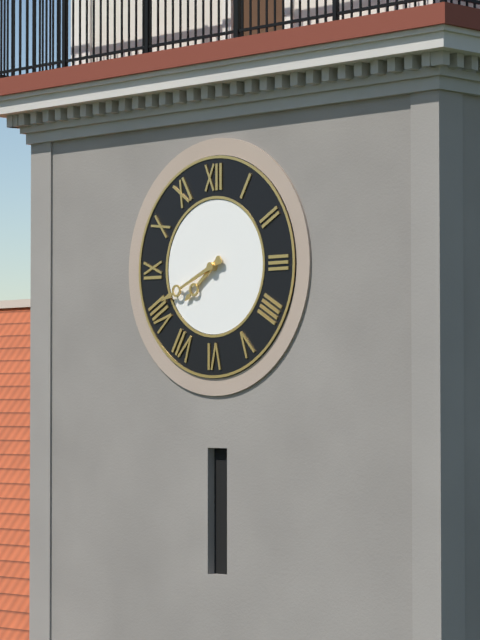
**7:41**
